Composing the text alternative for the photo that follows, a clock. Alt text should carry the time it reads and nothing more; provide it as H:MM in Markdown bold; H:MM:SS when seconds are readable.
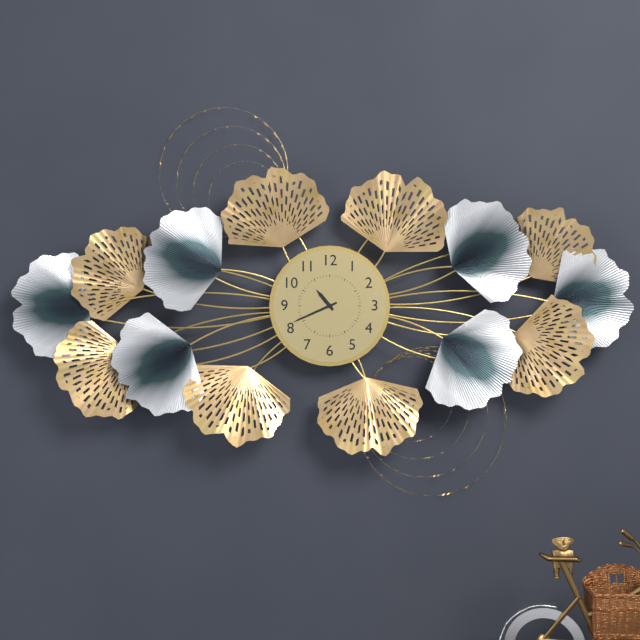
**10:41**
